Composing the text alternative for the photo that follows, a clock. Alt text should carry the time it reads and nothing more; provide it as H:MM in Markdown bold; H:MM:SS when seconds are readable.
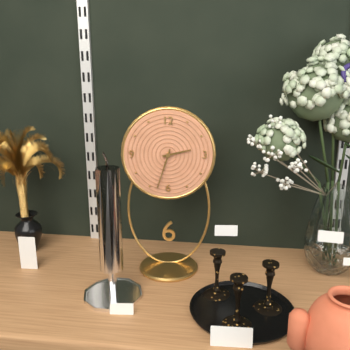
**2:33**
